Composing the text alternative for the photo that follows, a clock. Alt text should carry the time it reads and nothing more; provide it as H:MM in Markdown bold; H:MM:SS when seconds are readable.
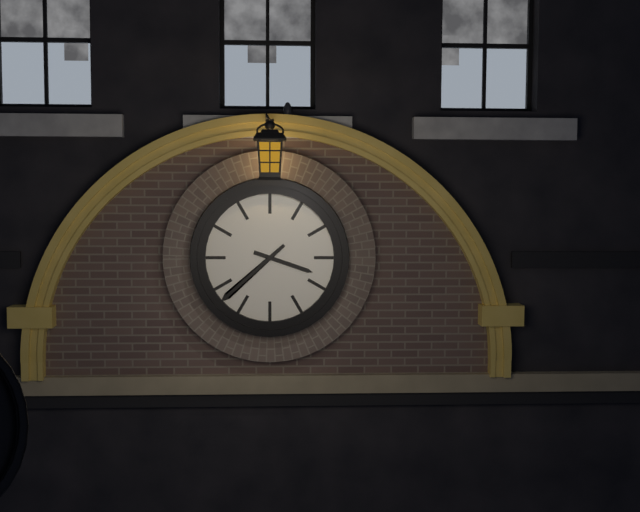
**3:38**
